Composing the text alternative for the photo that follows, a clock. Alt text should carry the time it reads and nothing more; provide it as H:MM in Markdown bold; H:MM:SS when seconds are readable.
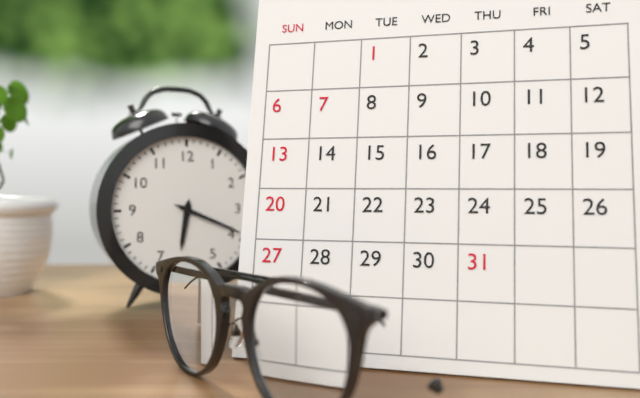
**6:19**
